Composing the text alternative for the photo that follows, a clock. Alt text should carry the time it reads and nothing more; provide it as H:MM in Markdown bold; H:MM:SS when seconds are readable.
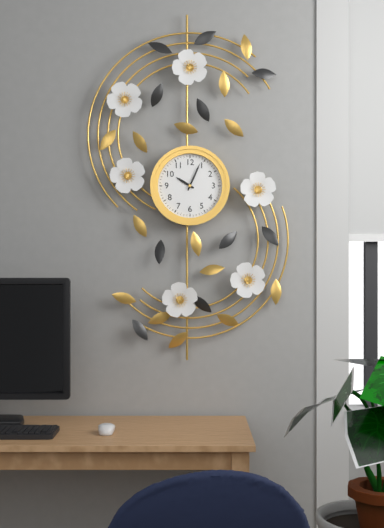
**10:04**
